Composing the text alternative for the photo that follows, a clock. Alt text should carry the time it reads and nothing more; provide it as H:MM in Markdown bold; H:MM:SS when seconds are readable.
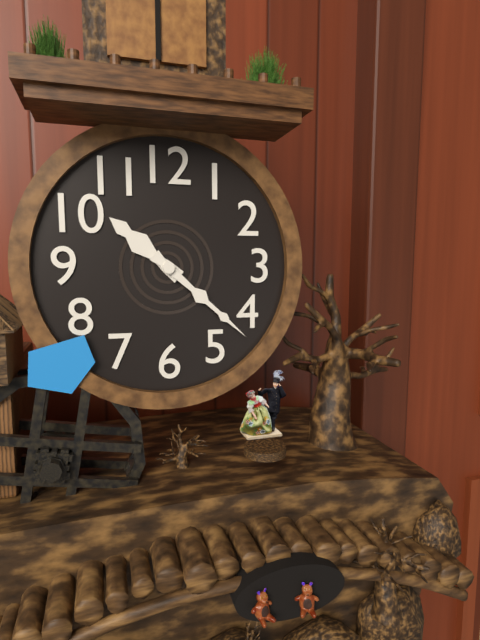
**10:22**
